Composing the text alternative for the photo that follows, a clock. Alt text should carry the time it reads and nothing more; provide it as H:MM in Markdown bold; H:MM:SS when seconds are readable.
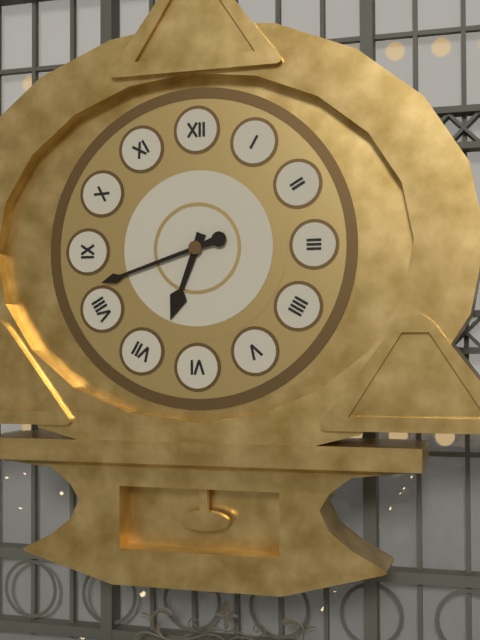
**6:42**
